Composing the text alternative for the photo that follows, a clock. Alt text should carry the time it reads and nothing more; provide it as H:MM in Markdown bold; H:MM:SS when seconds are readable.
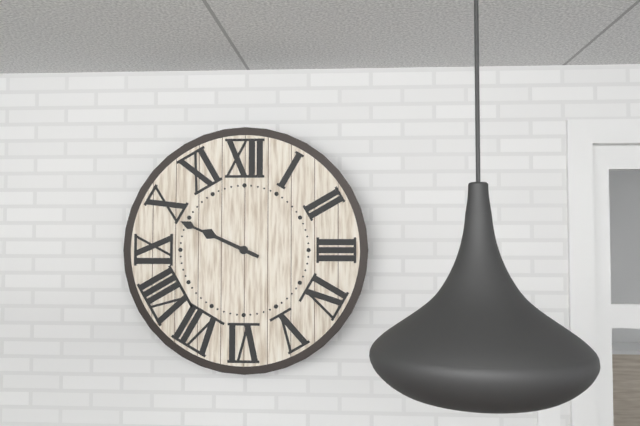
**9:49**
